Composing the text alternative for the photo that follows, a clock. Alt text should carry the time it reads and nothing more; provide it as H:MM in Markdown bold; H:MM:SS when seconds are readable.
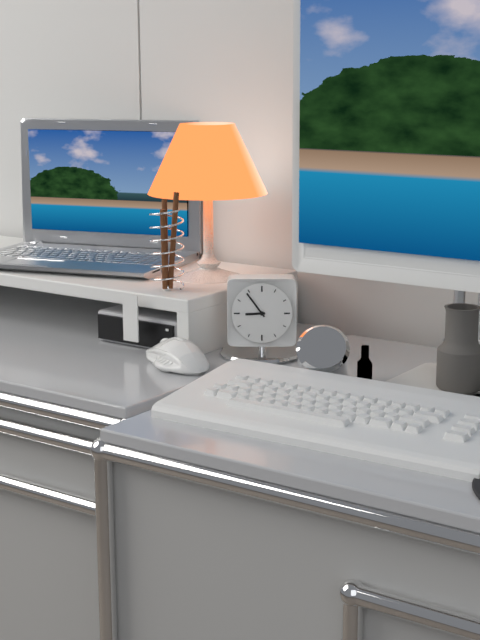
**8:54**
